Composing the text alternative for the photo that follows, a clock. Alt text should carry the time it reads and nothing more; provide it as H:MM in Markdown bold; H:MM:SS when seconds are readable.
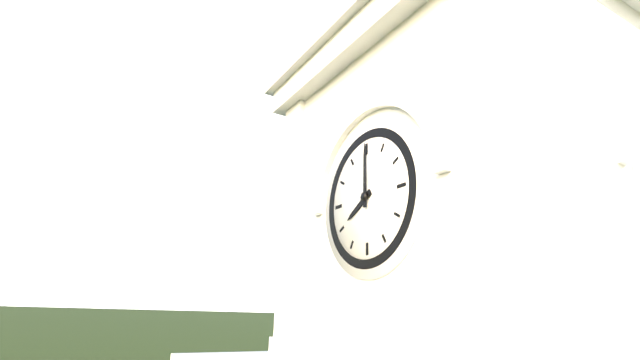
**8:00**
